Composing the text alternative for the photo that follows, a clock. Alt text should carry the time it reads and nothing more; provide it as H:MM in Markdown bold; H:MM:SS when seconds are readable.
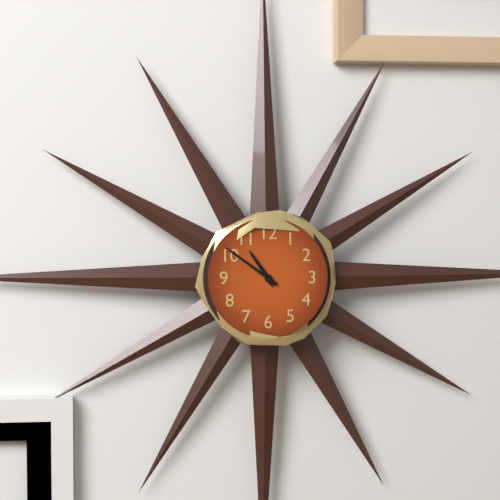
**10:51**
